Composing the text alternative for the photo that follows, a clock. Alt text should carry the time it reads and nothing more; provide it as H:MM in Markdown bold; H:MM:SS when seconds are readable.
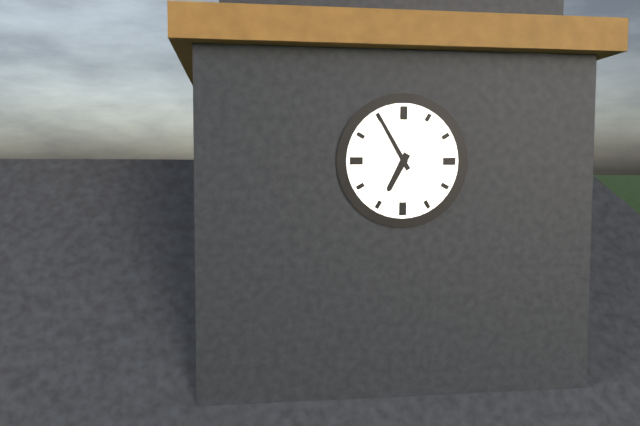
**6:55**
